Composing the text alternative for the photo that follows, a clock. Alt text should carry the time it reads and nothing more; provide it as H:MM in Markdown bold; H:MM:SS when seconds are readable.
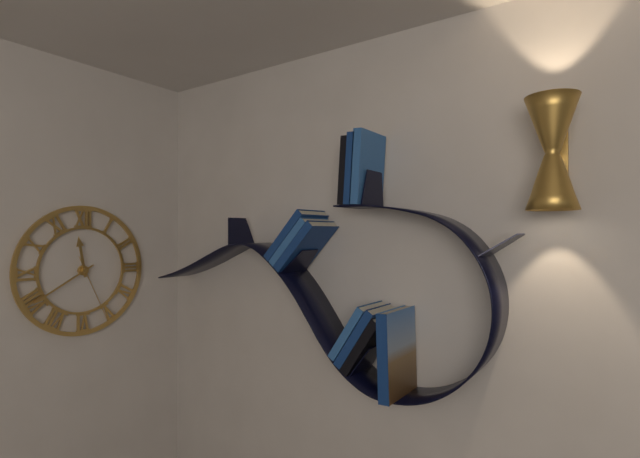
**11:40:26**
